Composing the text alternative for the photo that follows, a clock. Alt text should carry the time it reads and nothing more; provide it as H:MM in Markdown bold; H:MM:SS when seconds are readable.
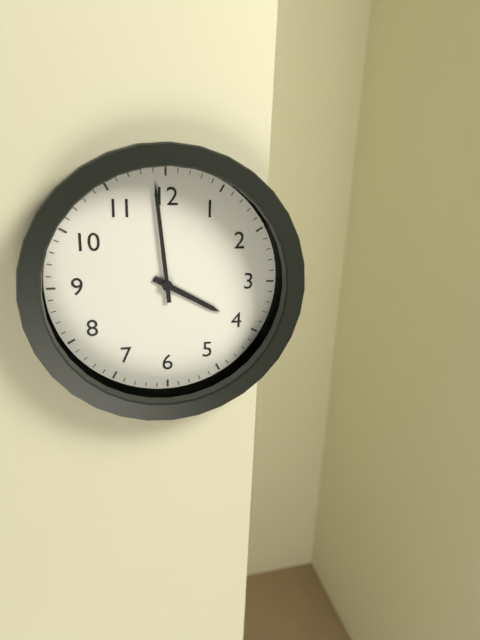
**3:59**
